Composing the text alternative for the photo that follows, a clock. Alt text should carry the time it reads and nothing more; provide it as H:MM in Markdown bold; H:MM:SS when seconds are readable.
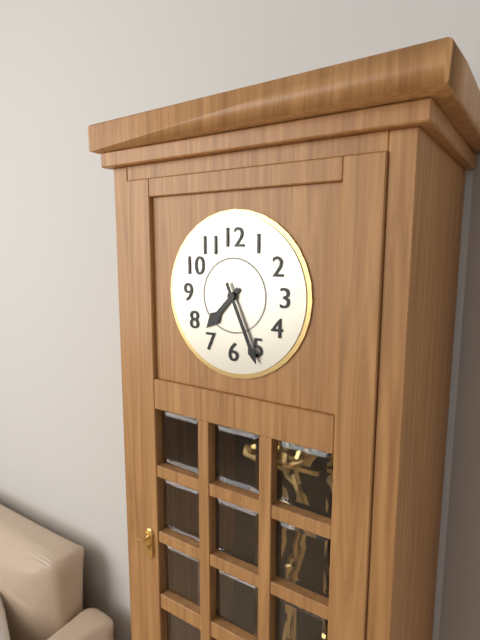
**7:26**
